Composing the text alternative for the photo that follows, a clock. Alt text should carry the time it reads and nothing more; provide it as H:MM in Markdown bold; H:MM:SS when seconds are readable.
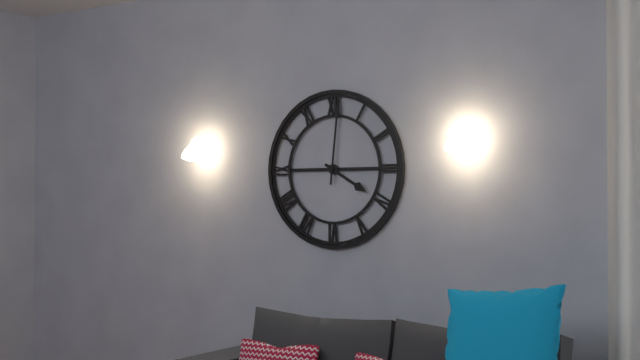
**4:01**
